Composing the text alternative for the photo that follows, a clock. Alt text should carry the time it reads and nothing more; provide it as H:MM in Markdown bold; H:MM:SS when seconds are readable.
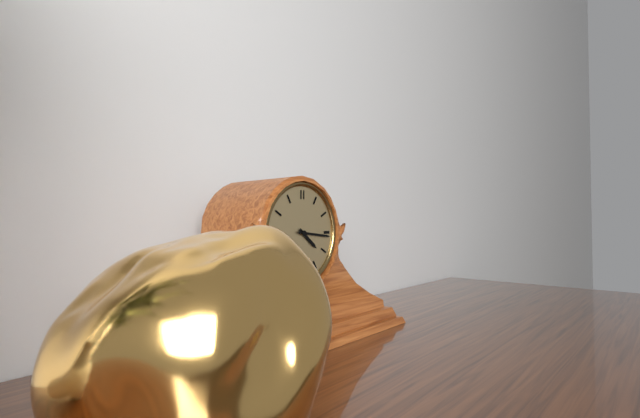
**4:16**
